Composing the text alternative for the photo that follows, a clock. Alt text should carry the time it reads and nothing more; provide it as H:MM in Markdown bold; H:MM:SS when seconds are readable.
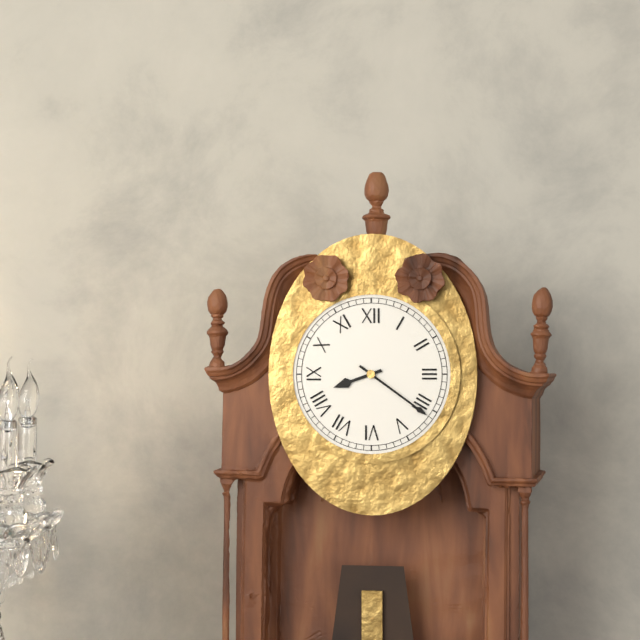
**8:21**
